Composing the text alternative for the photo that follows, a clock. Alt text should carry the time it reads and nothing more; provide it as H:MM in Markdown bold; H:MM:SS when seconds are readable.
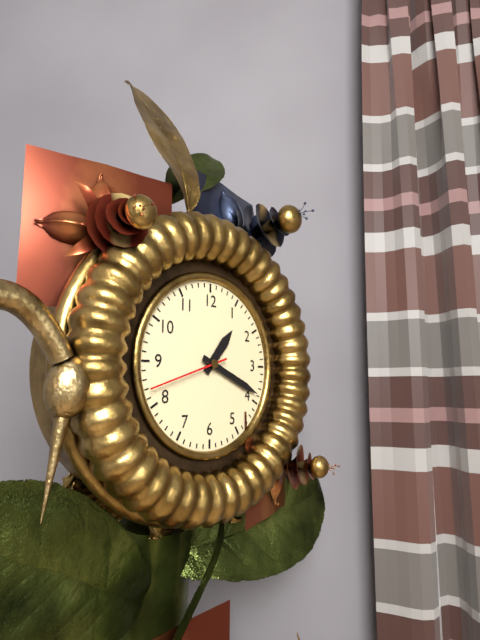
**1:19:42**
